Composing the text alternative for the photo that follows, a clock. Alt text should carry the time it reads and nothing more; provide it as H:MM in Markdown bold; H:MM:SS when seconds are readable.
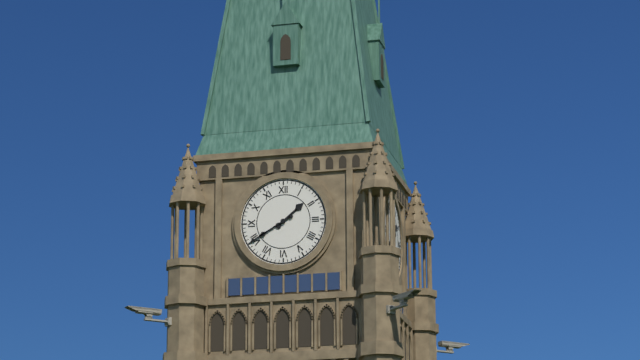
**1:40**
